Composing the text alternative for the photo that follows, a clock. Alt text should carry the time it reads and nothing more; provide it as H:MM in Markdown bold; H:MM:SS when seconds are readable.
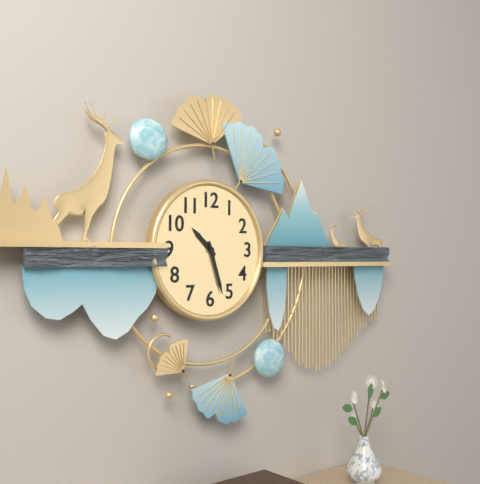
**10:27**
